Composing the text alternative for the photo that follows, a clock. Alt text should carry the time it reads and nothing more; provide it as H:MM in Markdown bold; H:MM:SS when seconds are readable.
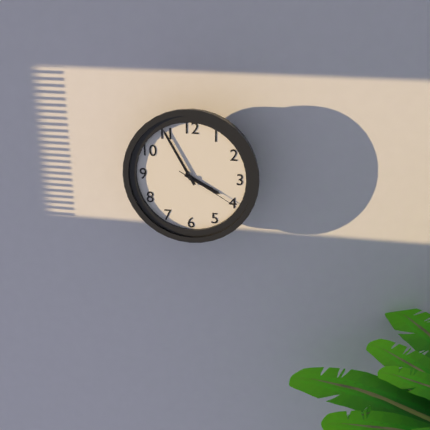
**3:55:20**
